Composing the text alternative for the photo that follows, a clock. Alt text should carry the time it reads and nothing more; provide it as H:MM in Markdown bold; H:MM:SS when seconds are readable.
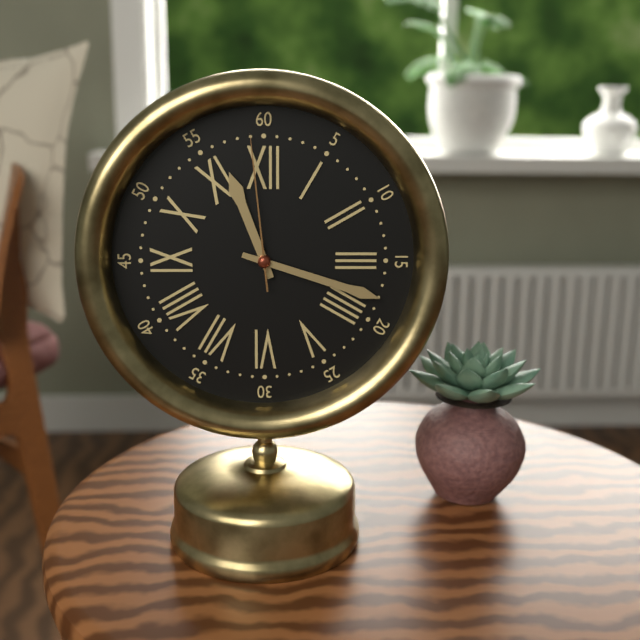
**11:18:59**
